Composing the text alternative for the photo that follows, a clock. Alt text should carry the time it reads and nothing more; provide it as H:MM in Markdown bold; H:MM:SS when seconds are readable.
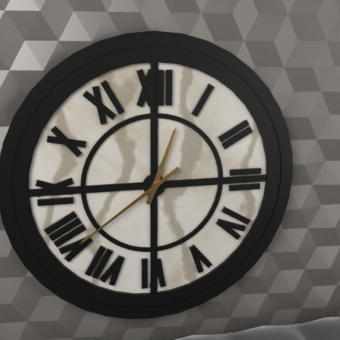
**12:39**
